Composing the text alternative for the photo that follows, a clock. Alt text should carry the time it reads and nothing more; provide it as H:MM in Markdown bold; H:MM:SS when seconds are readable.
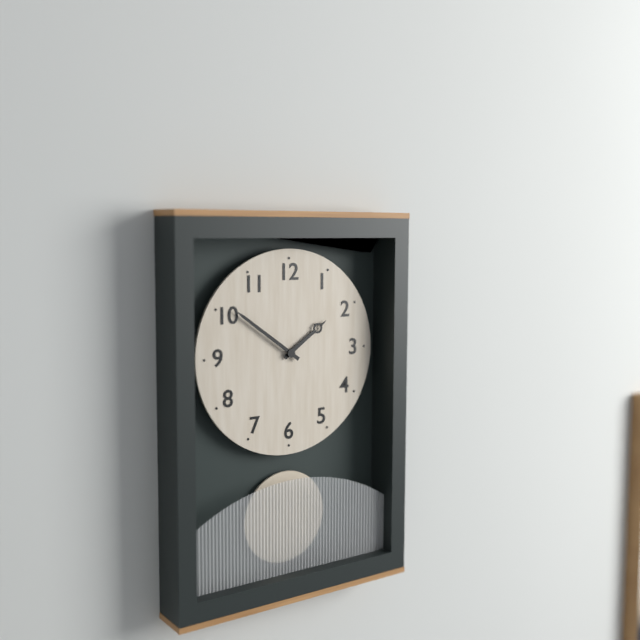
**1:51**
